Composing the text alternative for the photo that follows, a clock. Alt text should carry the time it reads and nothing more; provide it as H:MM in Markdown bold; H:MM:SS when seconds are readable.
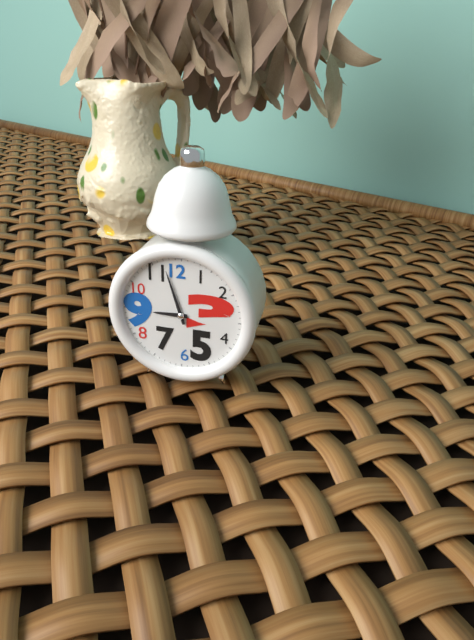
**8:57**
